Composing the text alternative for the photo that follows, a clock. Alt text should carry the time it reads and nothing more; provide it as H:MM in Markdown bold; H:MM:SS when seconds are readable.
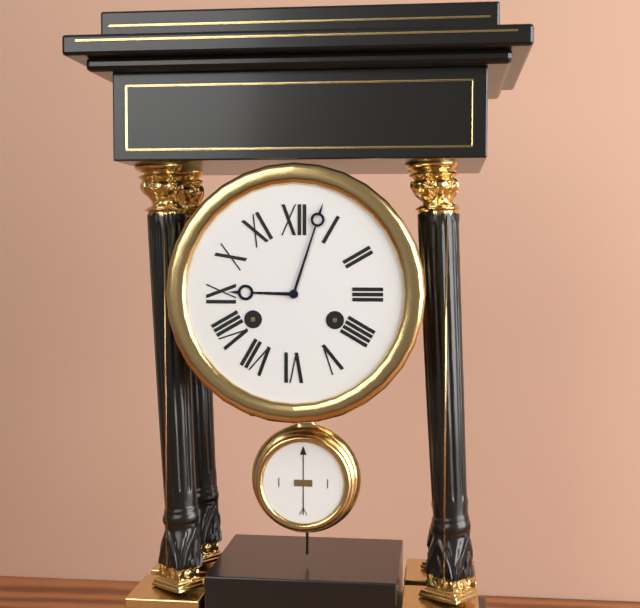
**9:03**
